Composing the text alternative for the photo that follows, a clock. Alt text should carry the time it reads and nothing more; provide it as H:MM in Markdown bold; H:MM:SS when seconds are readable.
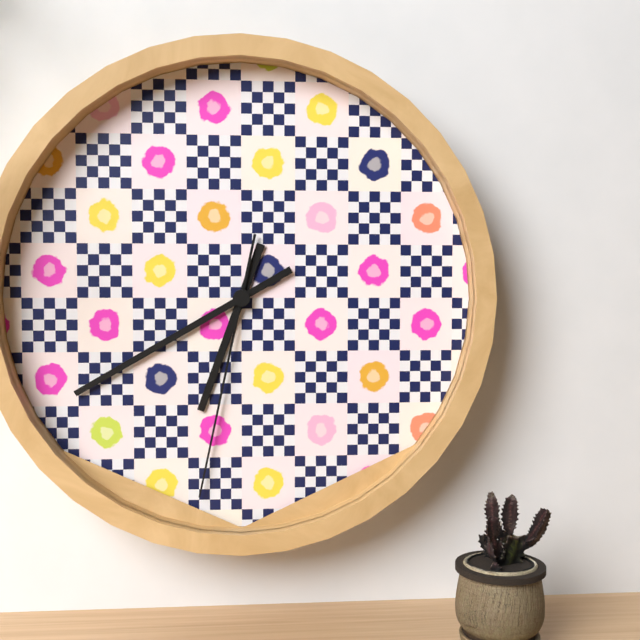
**6:40:32**
